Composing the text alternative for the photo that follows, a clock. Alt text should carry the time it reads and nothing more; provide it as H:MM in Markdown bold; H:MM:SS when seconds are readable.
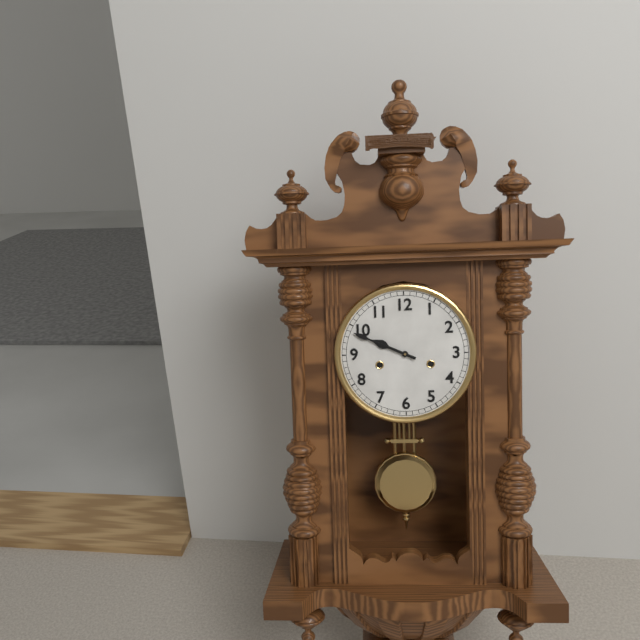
**9:49**
